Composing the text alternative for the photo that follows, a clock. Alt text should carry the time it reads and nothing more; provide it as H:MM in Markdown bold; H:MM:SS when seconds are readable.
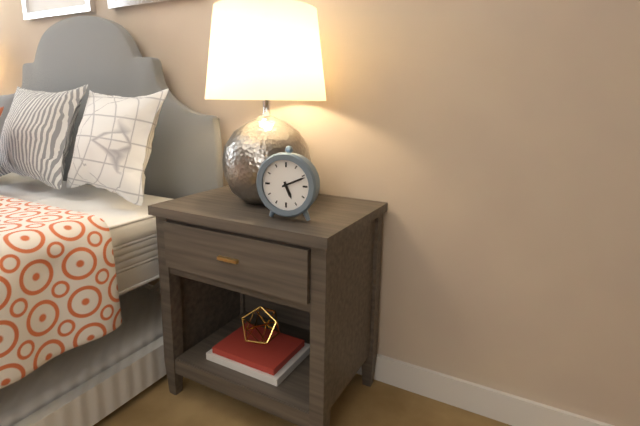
**5:11**
